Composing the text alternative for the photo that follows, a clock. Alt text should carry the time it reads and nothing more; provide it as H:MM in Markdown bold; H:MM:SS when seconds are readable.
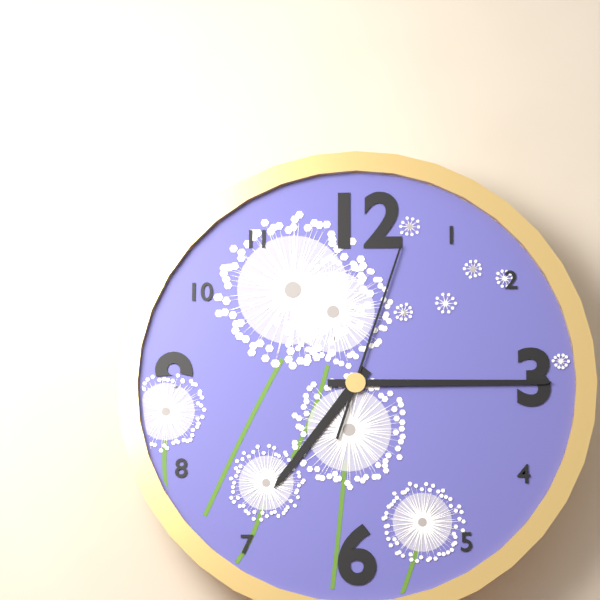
**7:15:03**
